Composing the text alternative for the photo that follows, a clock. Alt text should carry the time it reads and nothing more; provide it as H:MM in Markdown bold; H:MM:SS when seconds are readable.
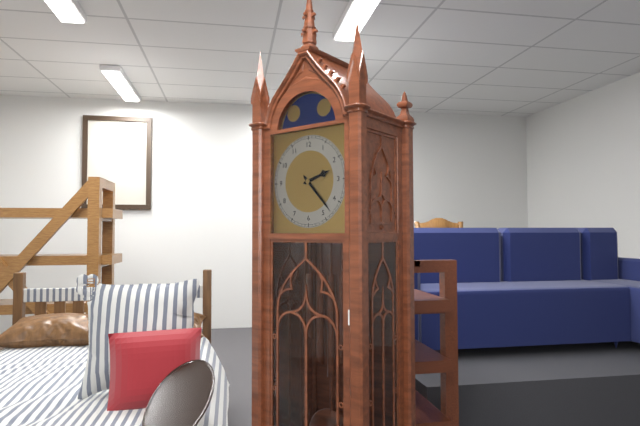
**2:23**
